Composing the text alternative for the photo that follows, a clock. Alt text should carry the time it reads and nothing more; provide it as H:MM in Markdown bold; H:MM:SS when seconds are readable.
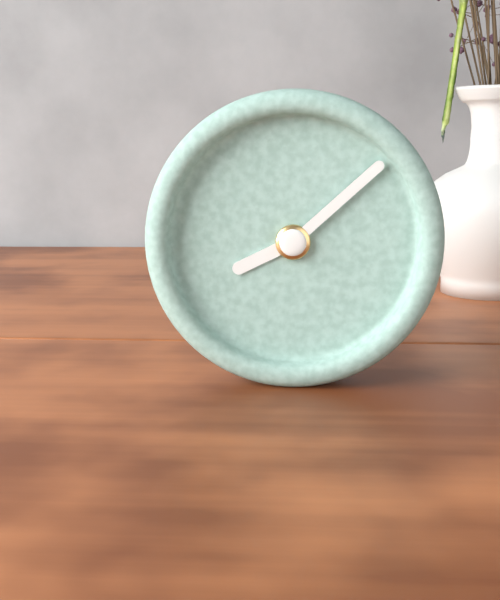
**8:08**
